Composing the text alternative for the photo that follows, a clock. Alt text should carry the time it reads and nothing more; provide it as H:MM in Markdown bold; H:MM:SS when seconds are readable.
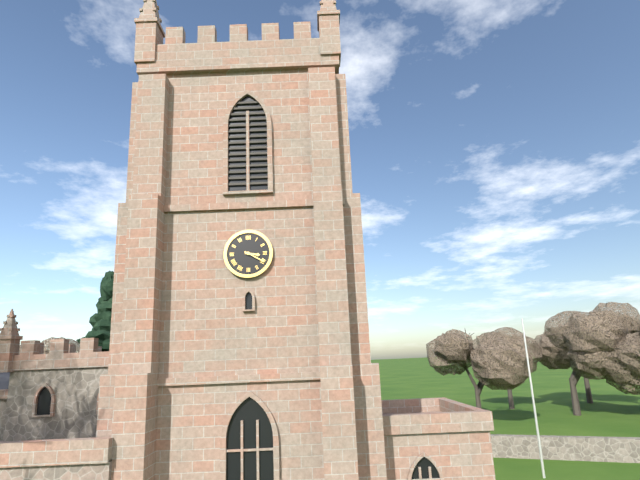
**3:20**
